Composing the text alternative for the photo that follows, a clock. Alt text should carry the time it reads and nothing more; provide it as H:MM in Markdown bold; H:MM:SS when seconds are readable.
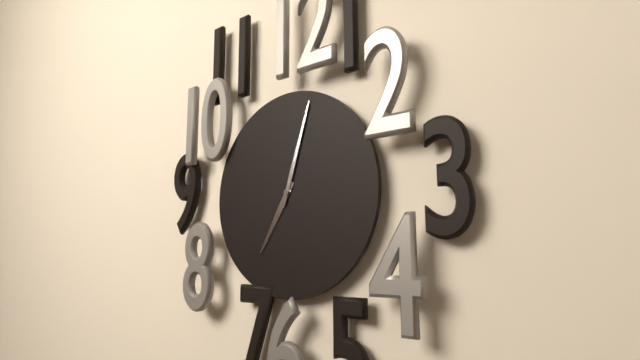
**7:03**
